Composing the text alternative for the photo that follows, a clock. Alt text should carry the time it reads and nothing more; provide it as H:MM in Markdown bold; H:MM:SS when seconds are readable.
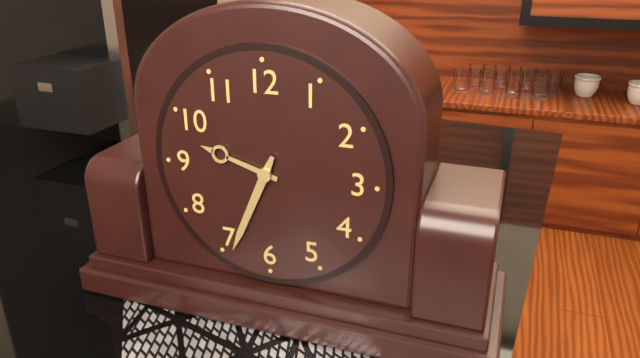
**9:34**
